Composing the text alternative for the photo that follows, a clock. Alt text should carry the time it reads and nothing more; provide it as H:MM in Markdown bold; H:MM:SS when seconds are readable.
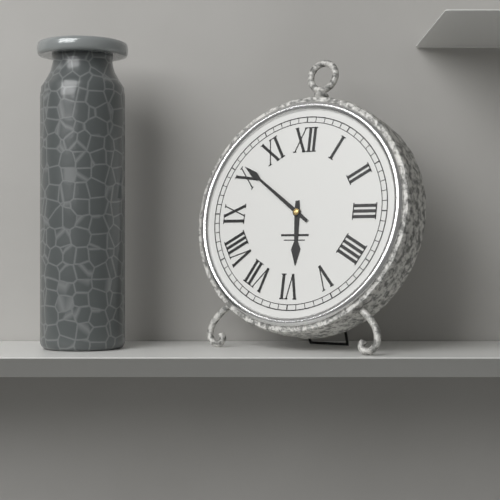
**5:51**
